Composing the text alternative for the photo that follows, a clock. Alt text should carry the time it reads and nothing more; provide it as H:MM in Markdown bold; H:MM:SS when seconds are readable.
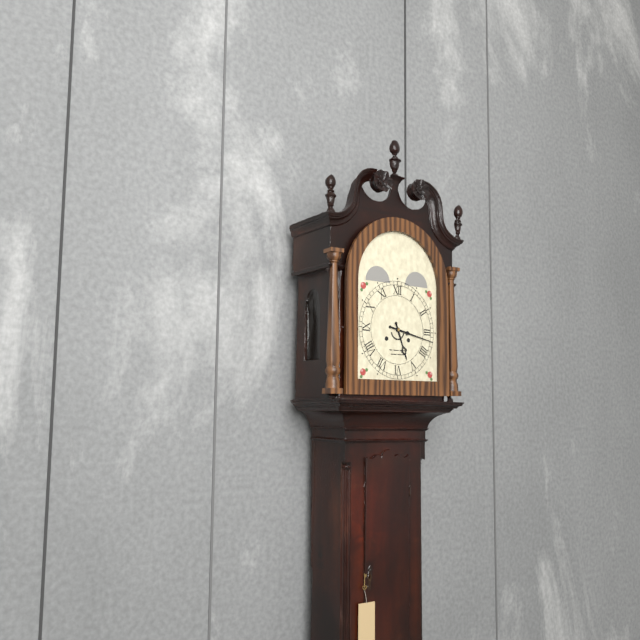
**5:17**
